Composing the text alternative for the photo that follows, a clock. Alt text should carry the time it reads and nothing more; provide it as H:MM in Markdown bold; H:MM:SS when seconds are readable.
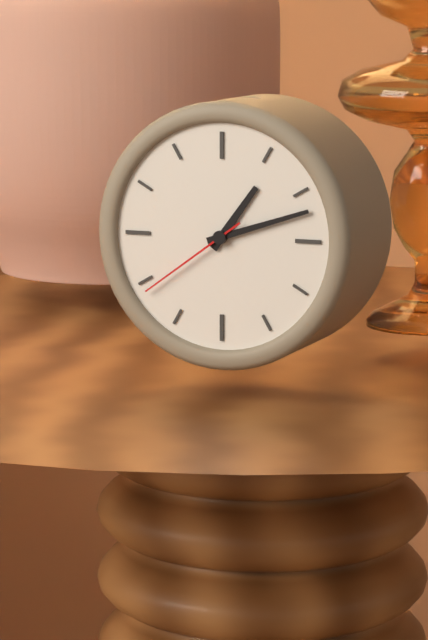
**1:12:39**
